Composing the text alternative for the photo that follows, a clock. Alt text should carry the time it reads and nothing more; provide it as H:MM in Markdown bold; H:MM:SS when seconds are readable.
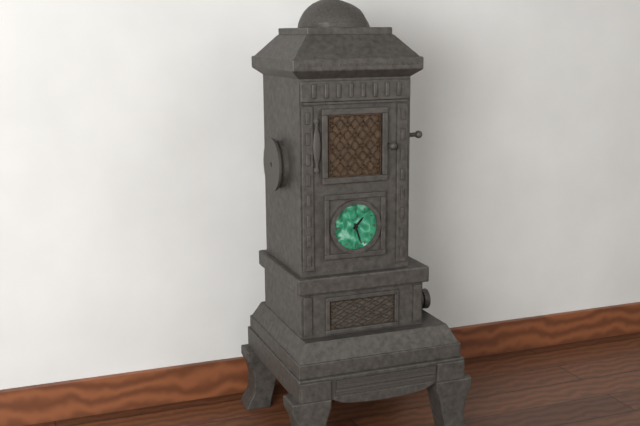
**1:27**
